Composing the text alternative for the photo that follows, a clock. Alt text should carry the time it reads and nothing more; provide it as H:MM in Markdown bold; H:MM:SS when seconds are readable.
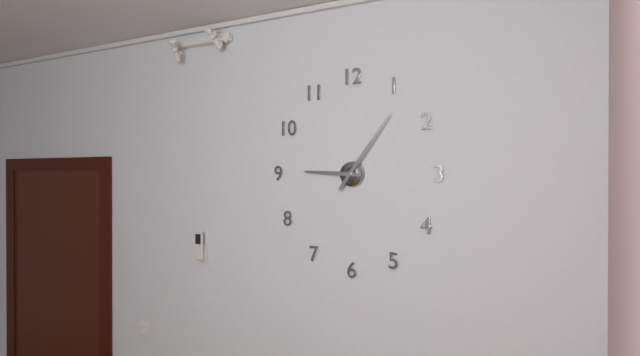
**9:06**
